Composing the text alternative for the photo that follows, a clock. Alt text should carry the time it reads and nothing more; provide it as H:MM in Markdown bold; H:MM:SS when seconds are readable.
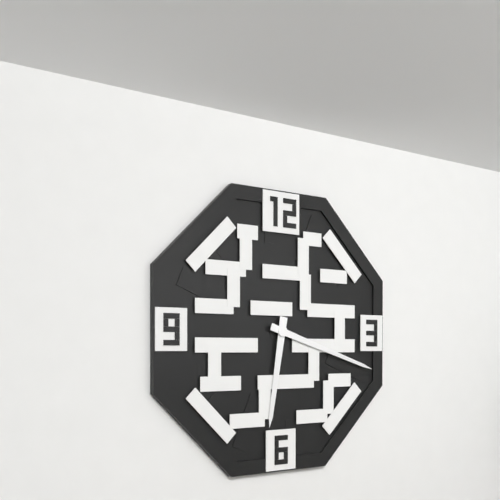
**6:18**
